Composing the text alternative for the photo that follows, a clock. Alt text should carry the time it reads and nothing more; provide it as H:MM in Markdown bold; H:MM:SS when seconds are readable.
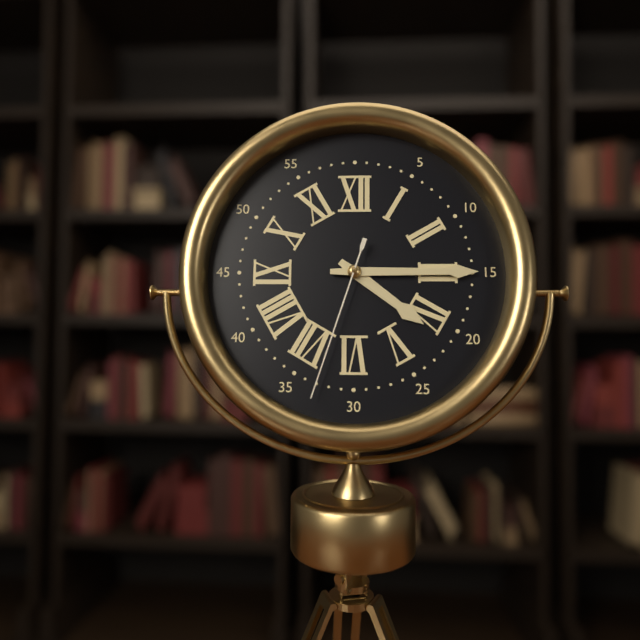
**4:15:33**
